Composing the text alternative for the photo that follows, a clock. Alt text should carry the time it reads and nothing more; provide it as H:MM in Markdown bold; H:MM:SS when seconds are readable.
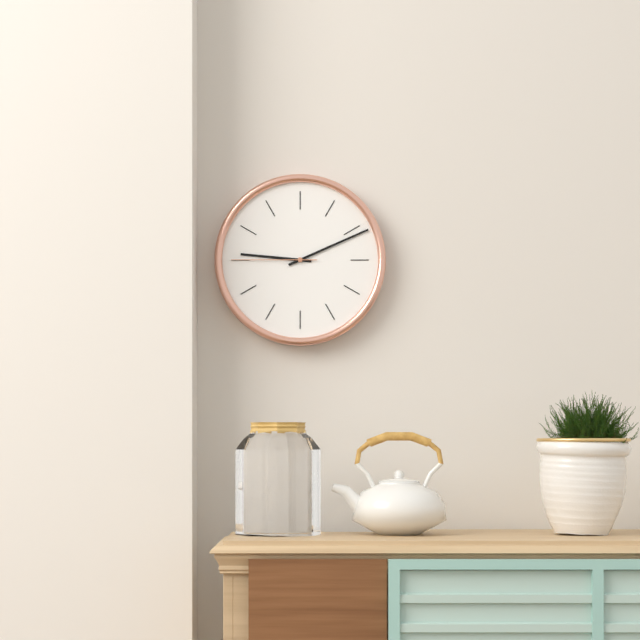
**9:11:45**
